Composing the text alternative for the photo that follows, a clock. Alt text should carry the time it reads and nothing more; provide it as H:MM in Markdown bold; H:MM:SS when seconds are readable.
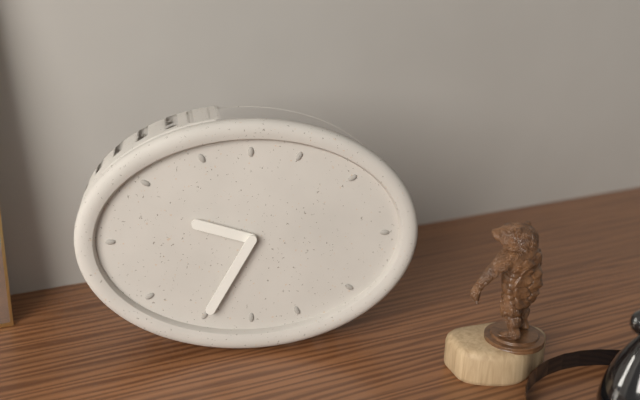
**9:35**
